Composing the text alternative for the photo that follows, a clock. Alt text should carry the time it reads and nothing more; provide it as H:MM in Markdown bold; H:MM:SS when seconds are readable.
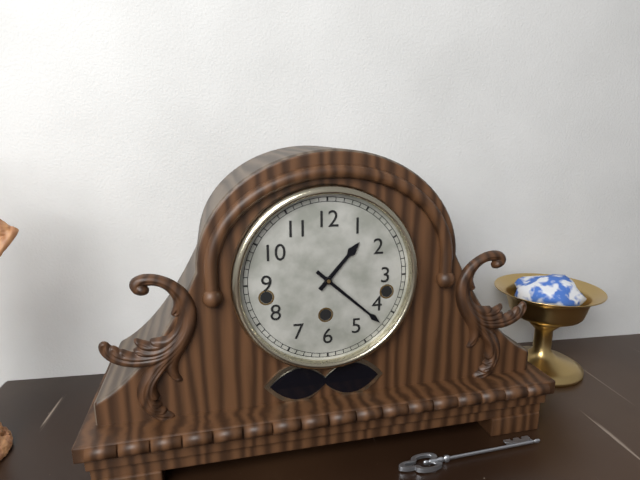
**1:22**
